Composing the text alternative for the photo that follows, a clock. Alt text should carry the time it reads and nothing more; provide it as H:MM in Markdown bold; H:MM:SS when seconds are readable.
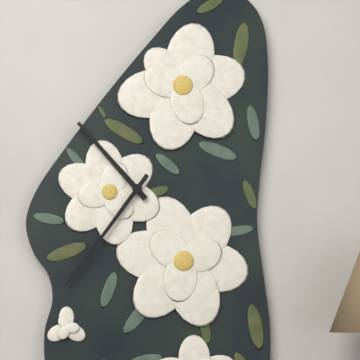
**10:36**
